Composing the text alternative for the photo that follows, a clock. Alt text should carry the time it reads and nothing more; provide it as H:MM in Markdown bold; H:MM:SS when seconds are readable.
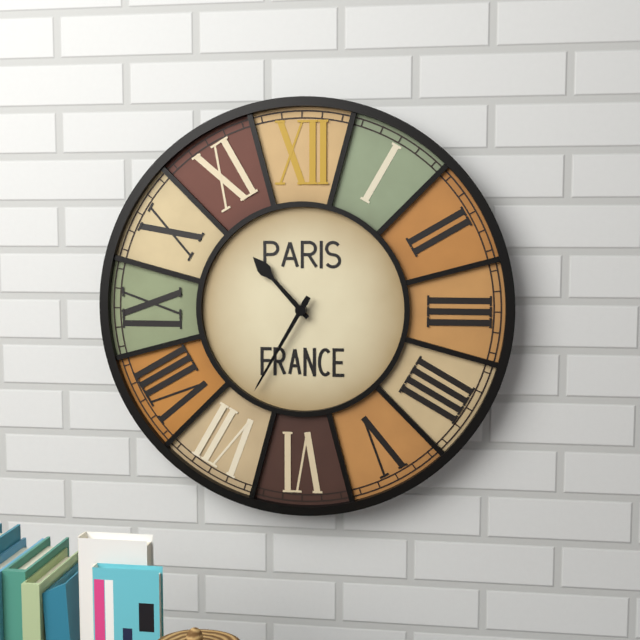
**10:35**
